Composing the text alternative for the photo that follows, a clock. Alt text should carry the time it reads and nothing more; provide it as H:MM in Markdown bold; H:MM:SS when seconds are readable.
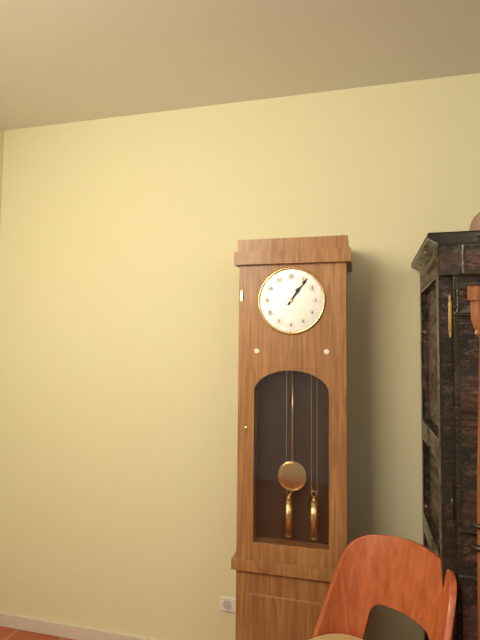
**1:06**
